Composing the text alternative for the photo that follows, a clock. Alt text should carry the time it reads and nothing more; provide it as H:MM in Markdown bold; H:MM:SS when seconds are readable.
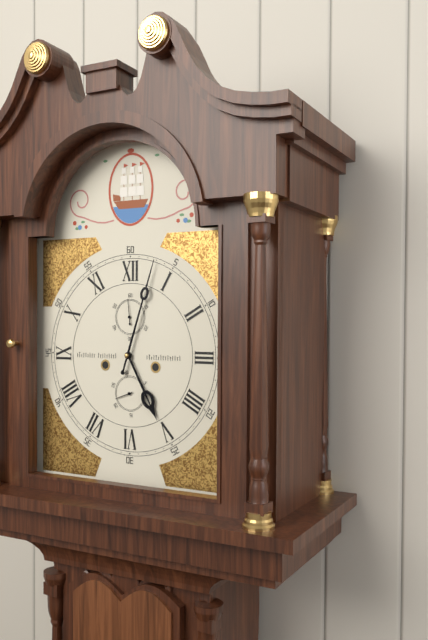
**5:03**
